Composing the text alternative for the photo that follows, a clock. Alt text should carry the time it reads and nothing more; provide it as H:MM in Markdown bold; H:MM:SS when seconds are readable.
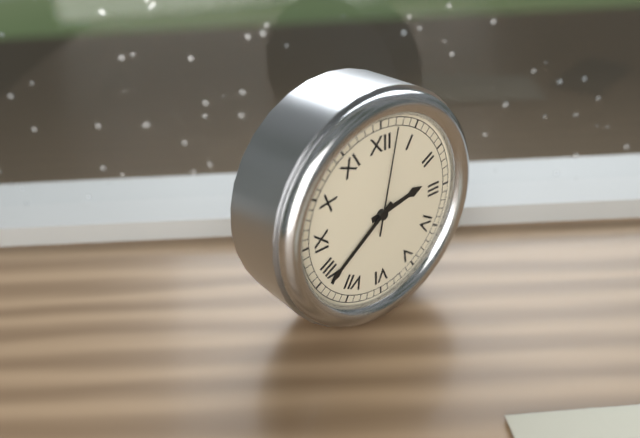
**2:39:02**
